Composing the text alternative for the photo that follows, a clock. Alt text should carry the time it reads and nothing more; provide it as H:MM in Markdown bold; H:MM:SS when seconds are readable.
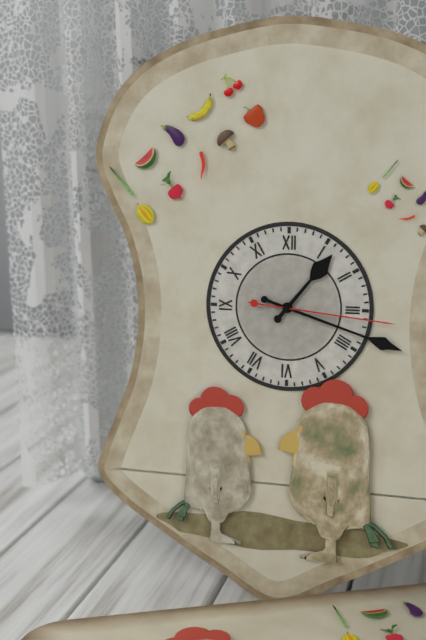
**1:18:16**
